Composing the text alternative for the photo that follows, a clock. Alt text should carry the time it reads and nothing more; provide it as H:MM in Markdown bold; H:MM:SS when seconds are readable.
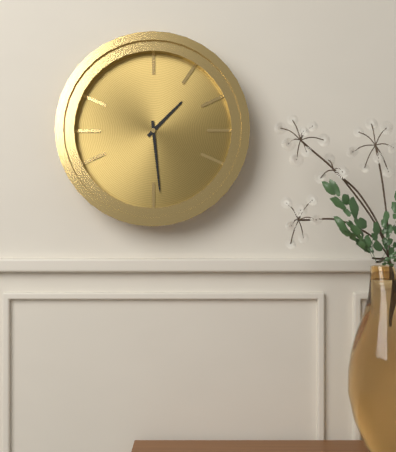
**1:29**
